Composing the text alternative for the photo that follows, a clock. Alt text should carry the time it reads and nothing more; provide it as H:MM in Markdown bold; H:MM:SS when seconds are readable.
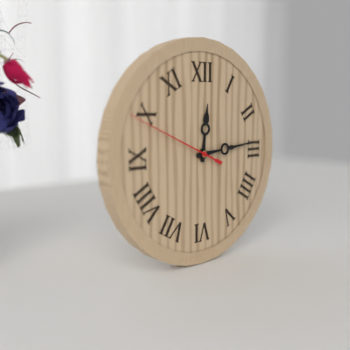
**12:14:49**
